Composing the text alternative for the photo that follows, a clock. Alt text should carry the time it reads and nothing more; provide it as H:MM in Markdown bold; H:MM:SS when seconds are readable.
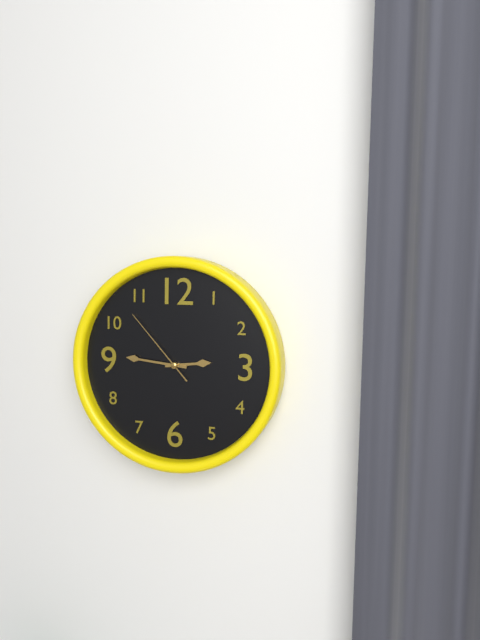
**2:46:53**
